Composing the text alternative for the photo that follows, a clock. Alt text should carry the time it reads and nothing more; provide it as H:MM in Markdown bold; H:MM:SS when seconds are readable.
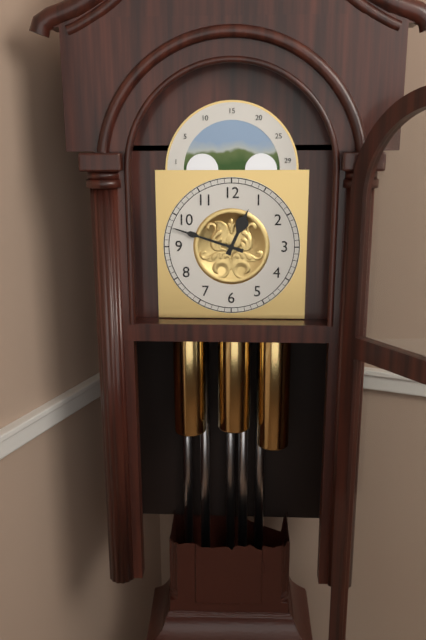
**12:48**
